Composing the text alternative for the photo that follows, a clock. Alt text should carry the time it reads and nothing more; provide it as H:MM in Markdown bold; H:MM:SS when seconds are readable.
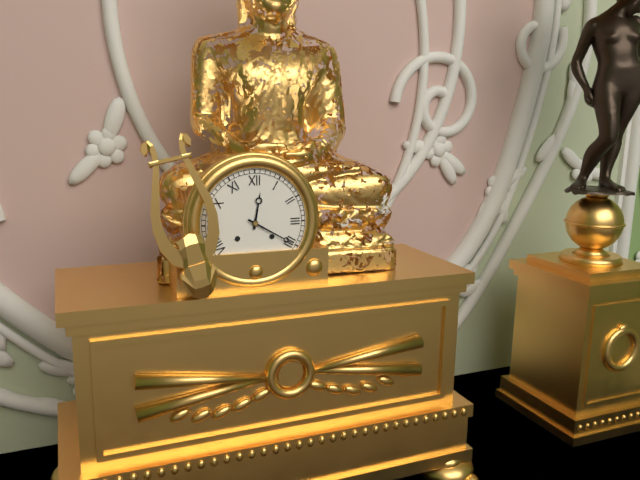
**12:20**
